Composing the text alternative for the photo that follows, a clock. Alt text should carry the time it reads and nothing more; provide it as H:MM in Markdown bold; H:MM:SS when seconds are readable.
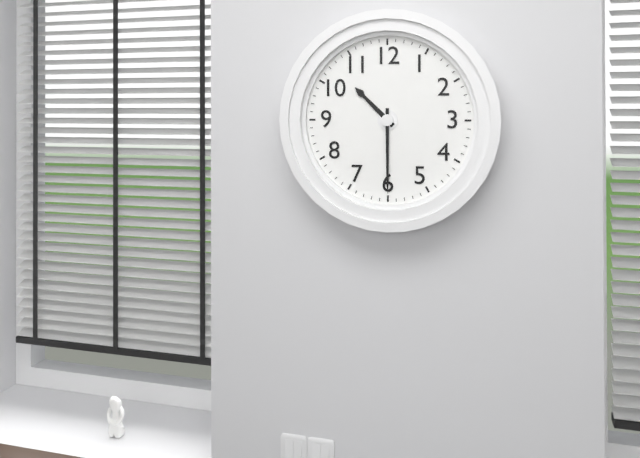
**10:30**
